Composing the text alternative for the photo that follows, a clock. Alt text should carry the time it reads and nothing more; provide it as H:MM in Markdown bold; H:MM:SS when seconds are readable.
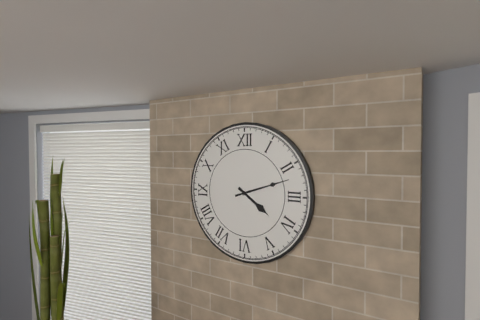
**4:12**
